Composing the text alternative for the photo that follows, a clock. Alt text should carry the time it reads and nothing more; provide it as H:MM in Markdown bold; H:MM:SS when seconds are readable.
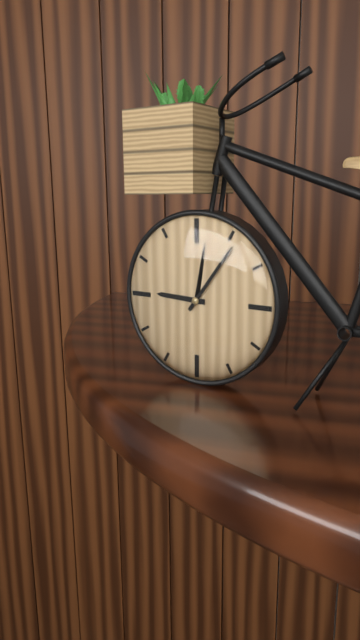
**9:06**
